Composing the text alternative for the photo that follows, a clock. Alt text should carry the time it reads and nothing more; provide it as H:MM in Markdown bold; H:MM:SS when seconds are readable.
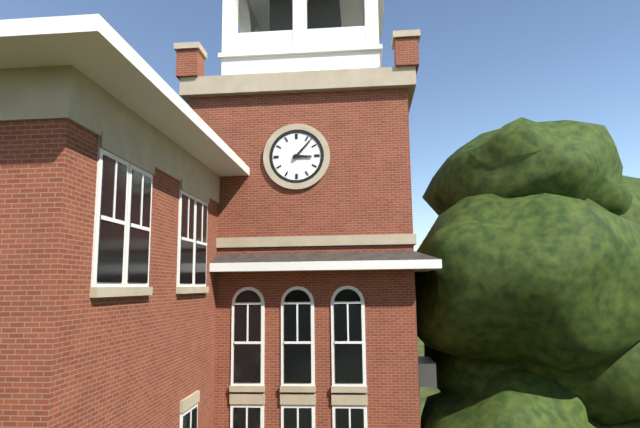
**3:07**
